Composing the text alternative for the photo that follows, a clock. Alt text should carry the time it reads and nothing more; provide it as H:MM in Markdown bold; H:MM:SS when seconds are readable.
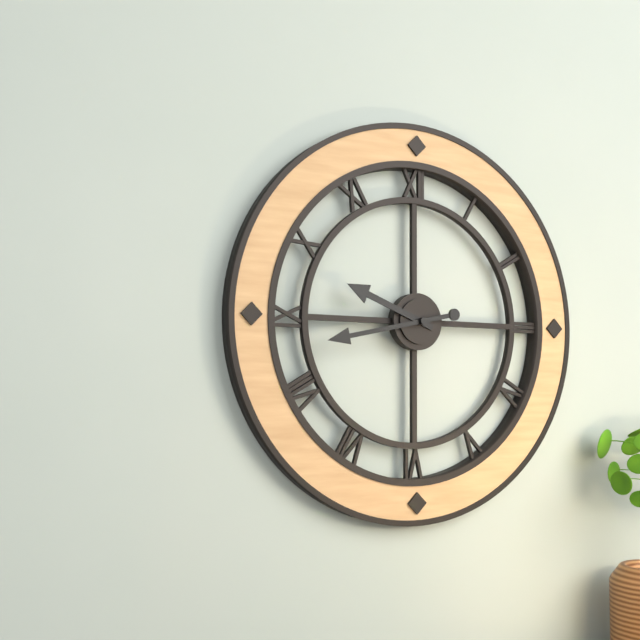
**9:43**
